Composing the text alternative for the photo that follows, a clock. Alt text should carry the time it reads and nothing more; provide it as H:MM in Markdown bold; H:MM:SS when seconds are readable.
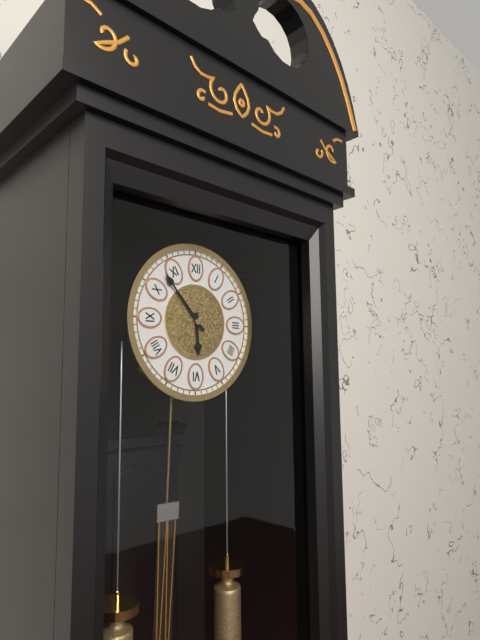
**5:53**
